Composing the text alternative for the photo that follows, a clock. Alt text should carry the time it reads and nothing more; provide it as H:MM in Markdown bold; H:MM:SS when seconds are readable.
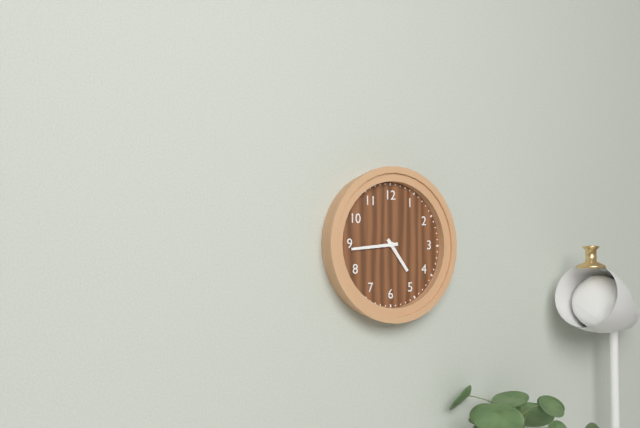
**4:44**
